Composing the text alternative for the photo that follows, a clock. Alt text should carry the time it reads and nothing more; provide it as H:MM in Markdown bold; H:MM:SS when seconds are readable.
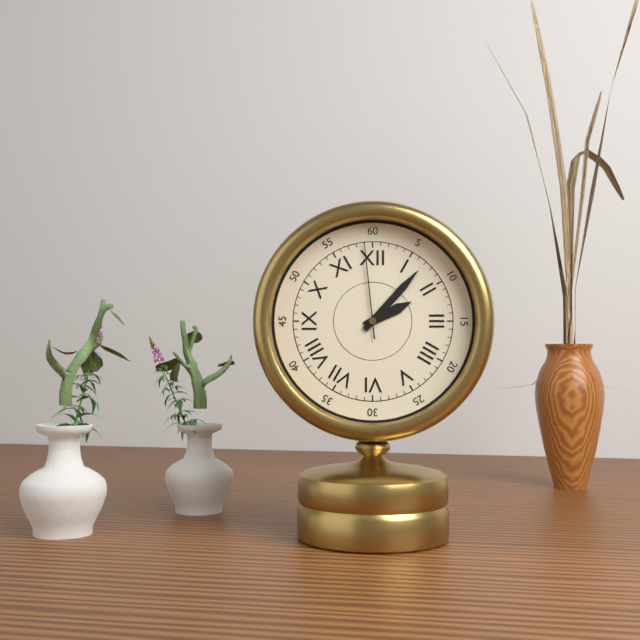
**2:07:59**
